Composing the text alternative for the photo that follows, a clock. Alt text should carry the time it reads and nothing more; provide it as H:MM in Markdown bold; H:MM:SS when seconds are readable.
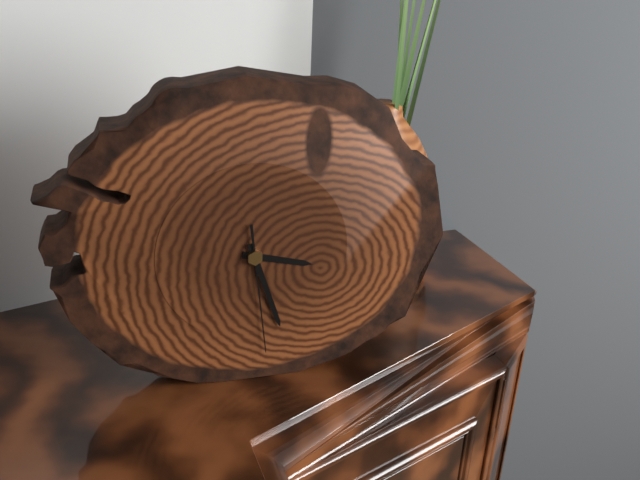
**3:27:29**
